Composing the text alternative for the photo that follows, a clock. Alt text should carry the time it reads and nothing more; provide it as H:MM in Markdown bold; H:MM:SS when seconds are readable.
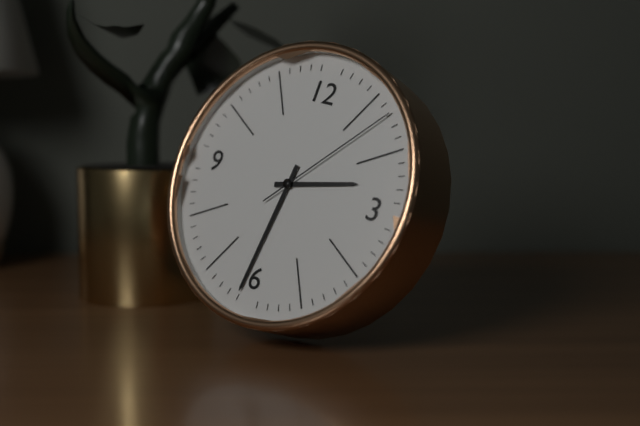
**2:31:07**
